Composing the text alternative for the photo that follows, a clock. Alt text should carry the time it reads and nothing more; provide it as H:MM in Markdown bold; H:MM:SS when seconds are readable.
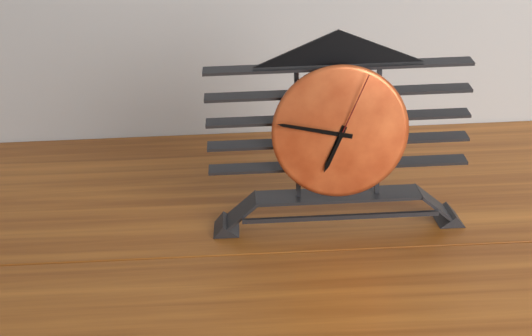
**6:47:04**
